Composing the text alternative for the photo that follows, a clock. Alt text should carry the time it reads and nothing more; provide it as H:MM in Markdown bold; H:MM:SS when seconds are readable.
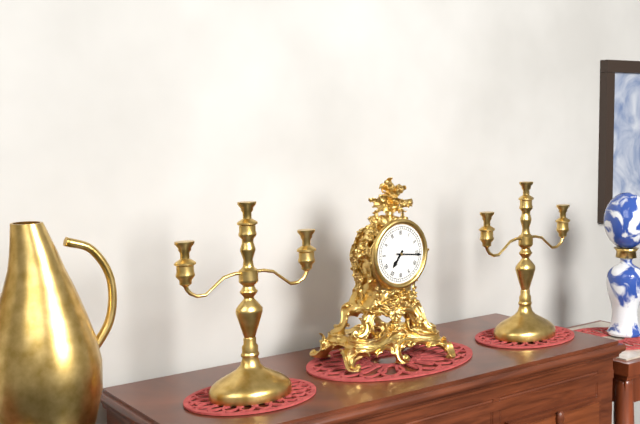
**7:16**
